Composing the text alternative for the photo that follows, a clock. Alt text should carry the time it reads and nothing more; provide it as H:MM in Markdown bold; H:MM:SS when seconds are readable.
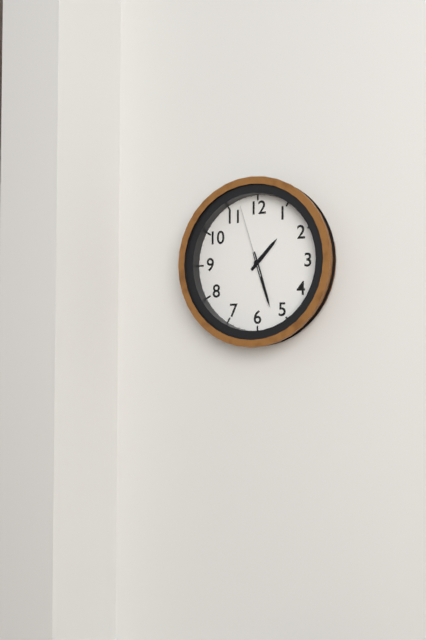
**1:27:57**
